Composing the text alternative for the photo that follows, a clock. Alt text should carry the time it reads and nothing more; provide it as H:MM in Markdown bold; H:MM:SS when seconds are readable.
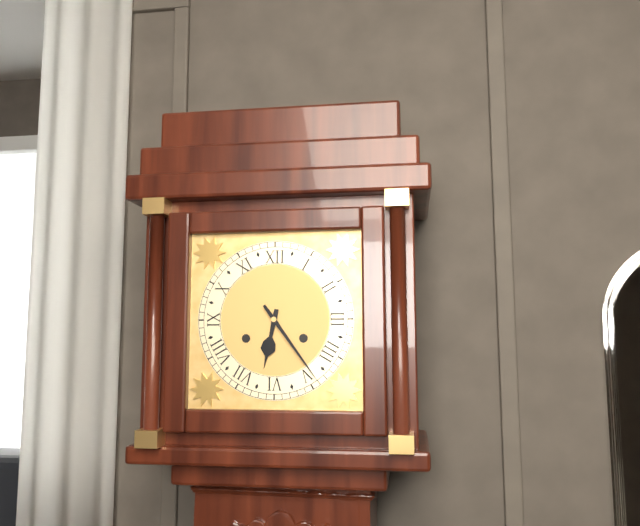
**6:24**
